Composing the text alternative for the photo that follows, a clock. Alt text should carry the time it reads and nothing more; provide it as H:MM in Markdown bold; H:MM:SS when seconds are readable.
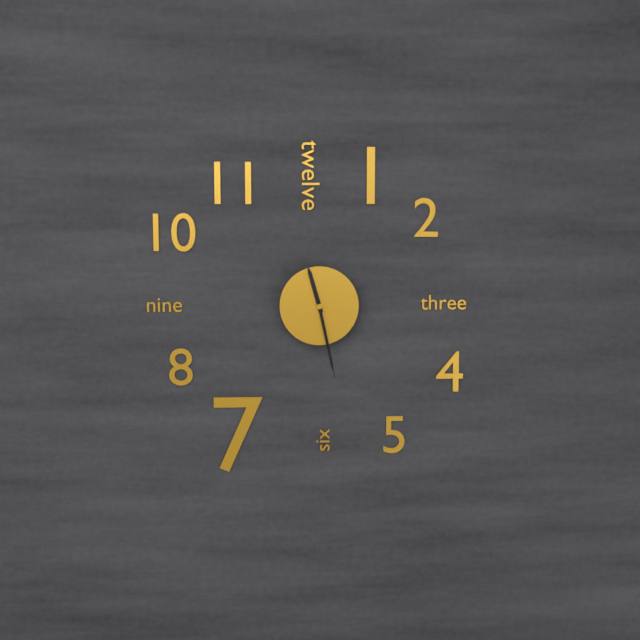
**11:28:28**
